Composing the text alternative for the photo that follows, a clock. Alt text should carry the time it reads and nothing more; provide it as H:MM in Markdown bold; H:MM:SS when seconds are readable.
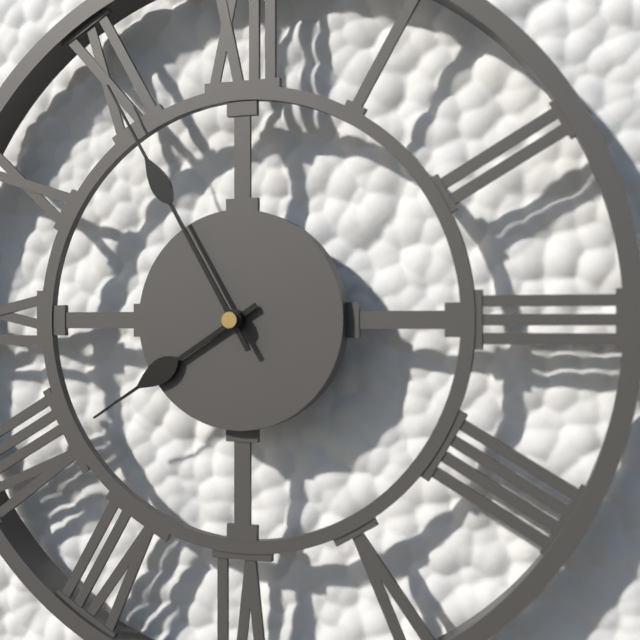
**7:55**
